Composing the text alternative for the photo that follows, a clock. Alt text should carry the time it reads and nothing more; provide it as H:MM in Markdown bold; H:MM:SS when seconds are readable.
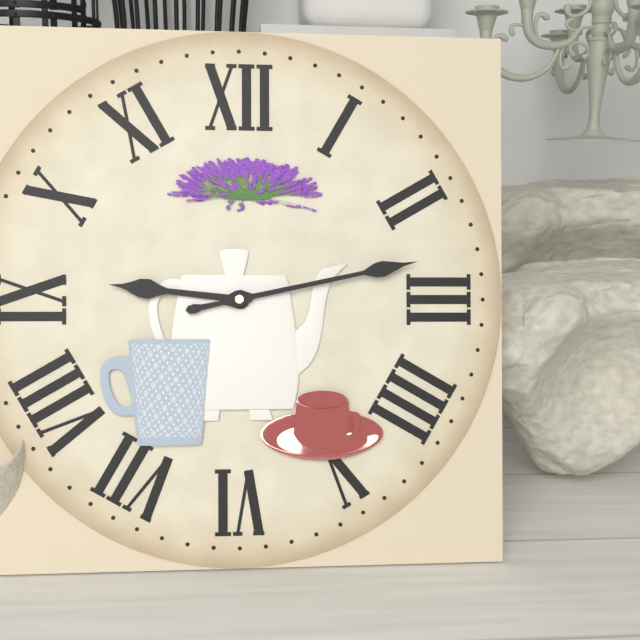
**9:13**
